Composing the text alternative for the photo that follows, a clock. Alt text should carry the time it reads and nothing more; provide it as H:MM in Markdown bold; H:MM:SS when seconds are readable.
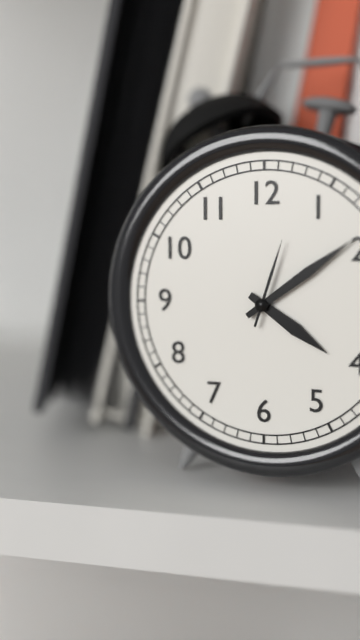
**4:09:03**
